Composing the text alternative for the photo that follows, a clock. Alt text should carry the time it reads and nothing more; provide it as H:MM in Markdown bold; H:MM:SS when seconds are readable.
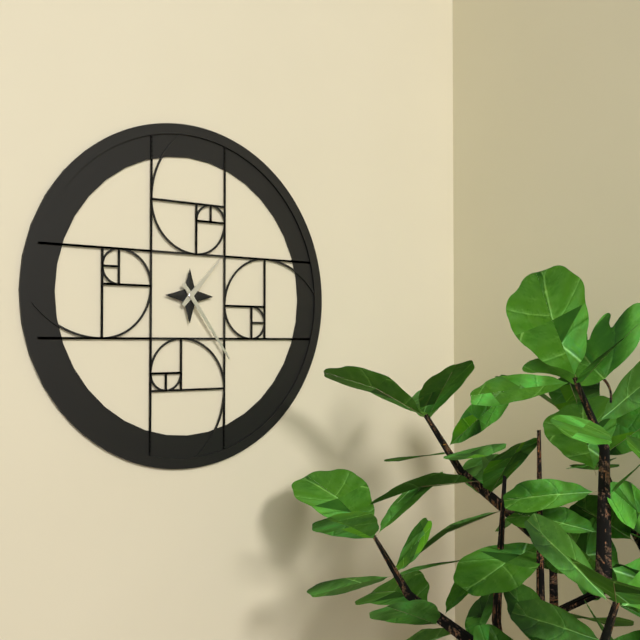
**1:24**
